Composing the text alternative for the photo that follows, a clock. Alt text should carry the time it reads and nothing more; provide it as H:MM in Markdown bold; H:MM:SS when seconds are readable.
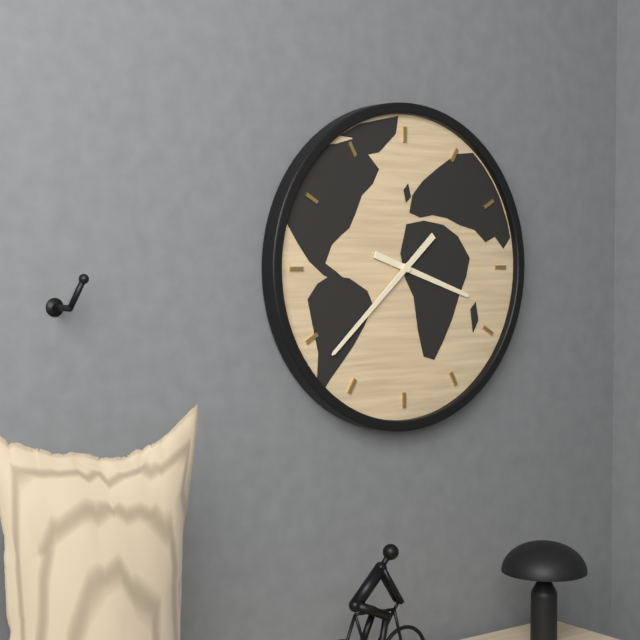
**3:38**
